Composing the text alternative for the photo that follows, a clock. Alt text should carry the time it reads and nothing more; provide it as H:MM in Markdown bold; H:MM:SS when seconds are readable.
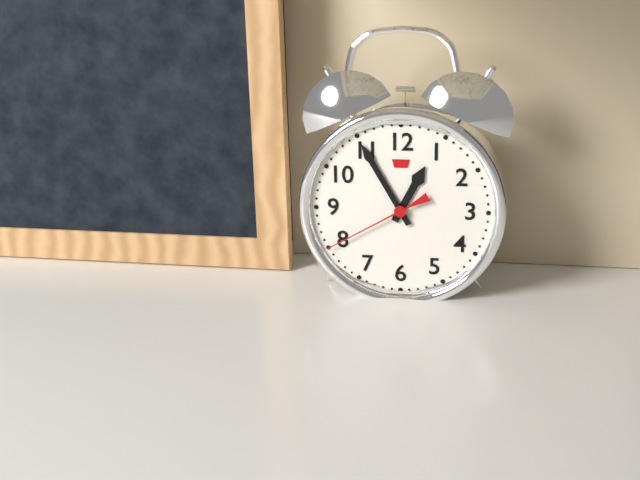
**12:55:40**
